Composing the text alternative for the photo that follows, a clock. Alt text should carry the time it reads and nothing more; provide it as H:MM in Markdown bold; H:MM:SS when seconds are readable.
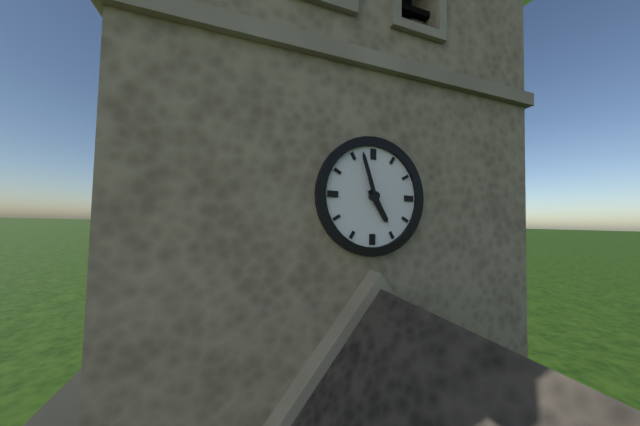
**4:57**
